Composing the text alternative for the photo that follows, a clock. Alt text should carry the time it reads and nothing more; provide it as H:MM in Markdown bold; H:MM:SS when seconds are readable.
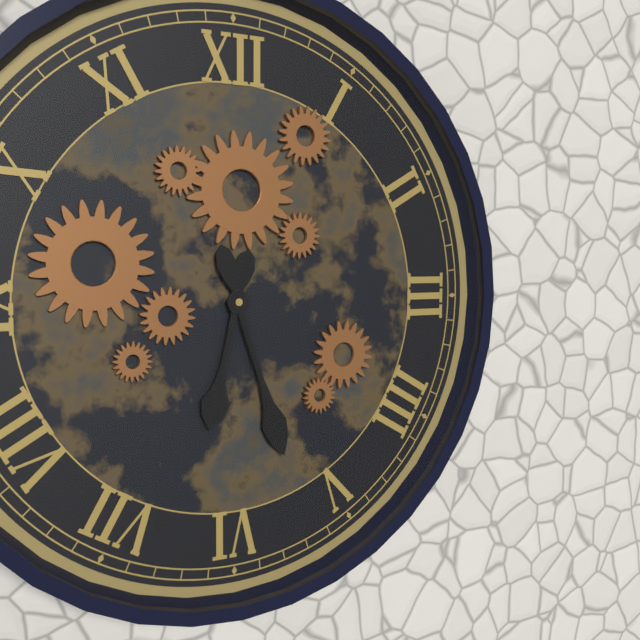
**6:27**
